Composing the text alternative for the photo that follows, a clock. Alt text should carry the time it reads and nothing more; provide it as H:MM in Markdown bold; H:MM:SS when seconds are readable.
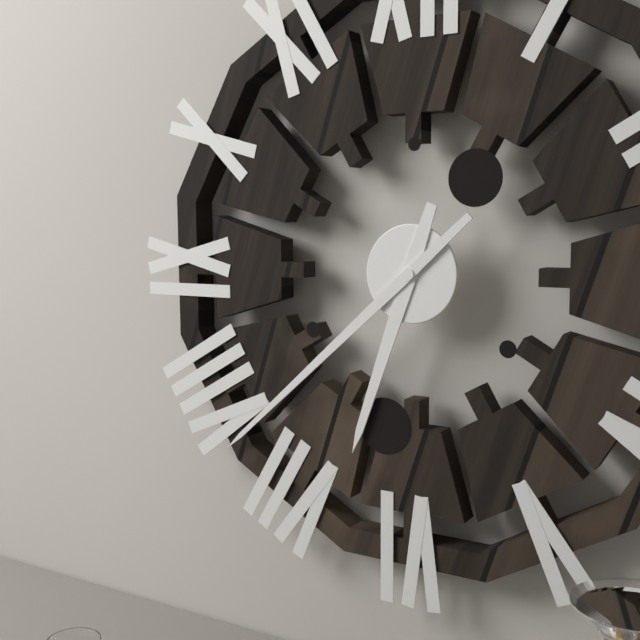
**6:38**
